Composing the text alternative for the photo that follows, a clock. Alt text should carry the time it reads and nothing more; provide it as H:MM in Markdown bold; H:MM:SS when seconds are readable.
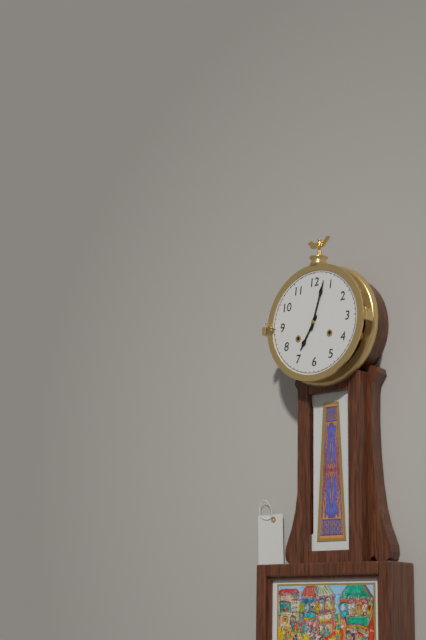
**7:03**
